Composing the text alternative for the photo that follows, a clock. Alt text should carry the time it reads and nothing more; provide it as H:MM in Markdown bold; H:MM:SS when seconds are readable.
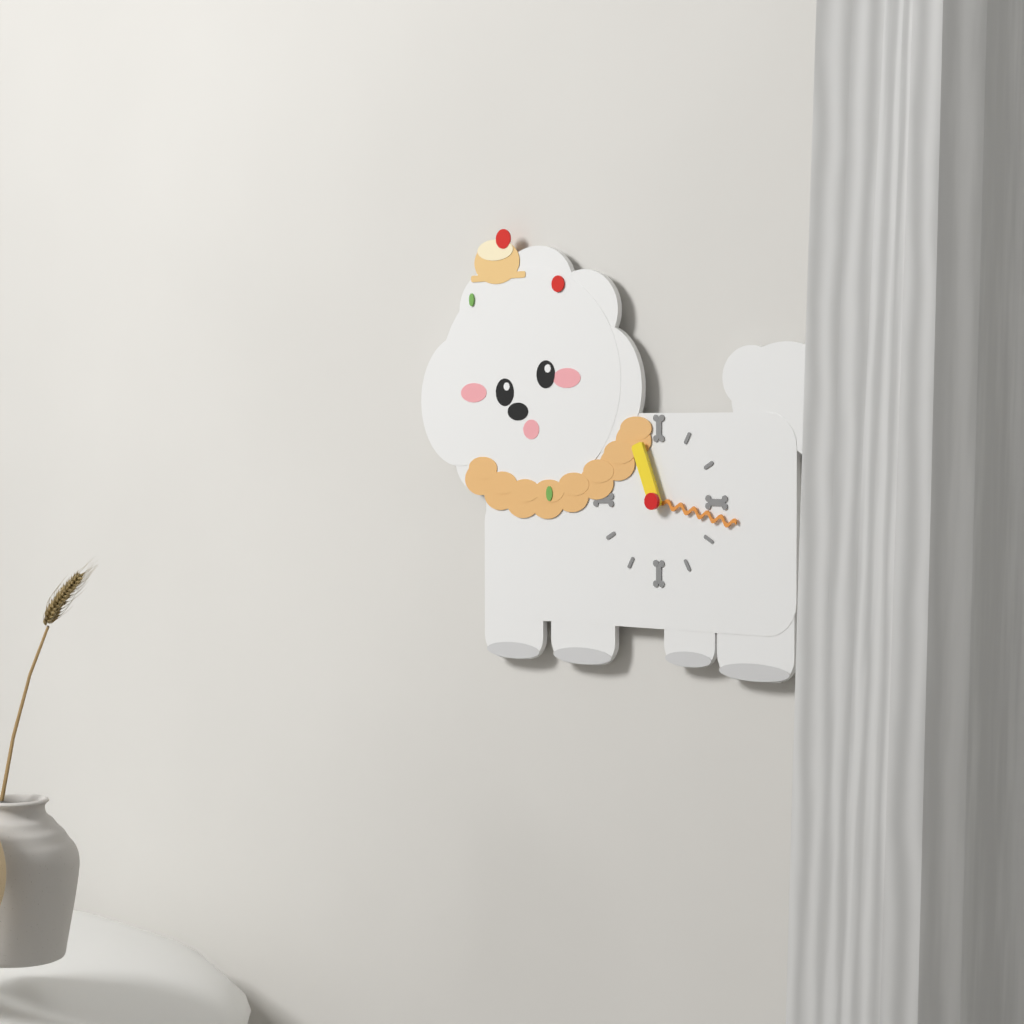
**11:17**
